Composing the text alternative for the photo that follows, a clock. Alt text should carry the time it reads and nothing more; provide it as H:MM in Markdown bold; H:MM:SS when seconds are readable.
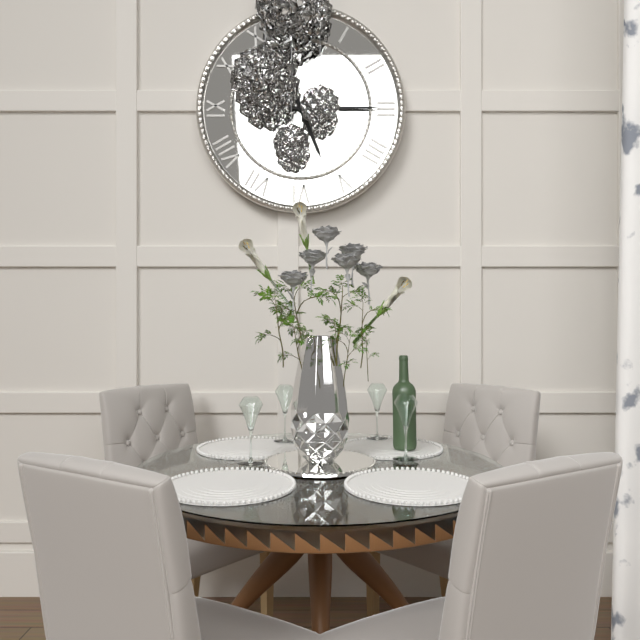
**5:15**
